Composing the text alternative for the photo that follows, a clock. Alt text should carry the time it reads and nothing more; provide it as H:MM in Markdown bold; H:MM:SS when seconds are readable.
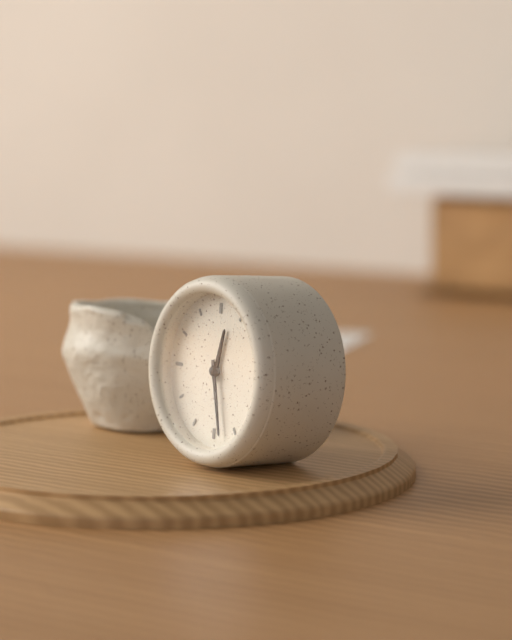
**12:28**
